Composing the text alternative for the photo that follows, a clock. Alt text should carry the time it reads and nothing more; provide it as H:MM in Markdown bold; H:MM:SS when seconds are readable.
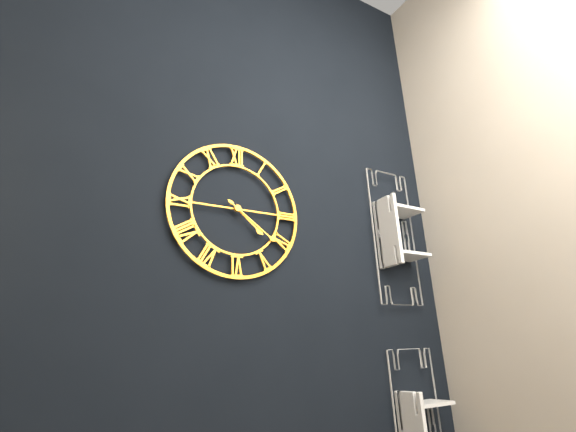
**4:21**
